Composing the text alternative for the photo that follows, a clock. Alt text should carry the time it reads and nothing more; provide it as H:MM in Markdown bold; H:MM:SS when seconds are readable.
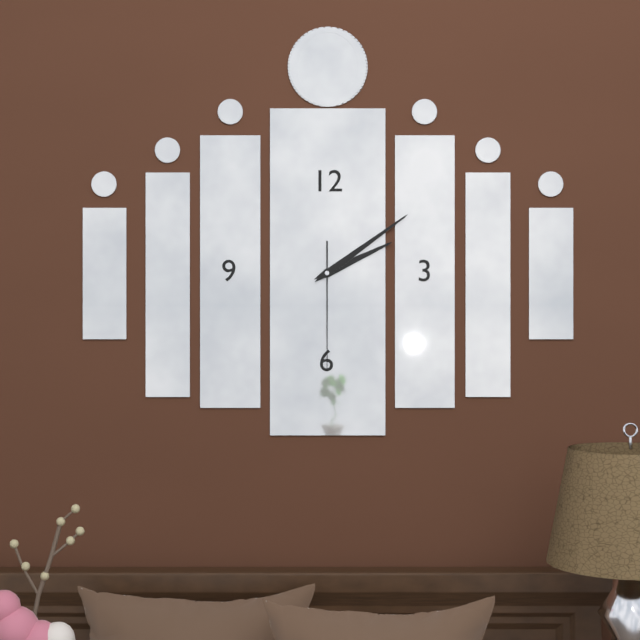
**2:09:30**
